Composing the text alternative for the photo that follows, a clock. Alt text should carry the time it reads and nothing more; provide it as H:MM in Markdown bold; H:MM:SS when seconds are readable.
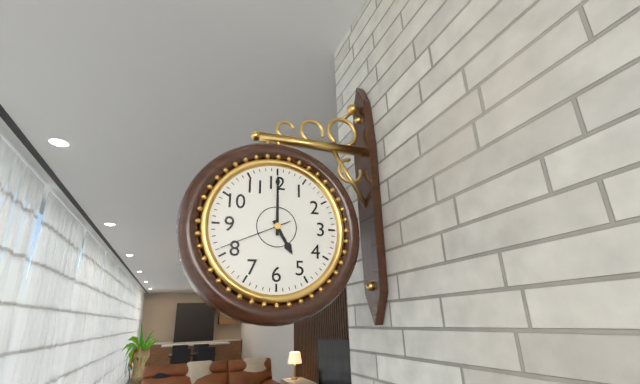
**5:00:41**
